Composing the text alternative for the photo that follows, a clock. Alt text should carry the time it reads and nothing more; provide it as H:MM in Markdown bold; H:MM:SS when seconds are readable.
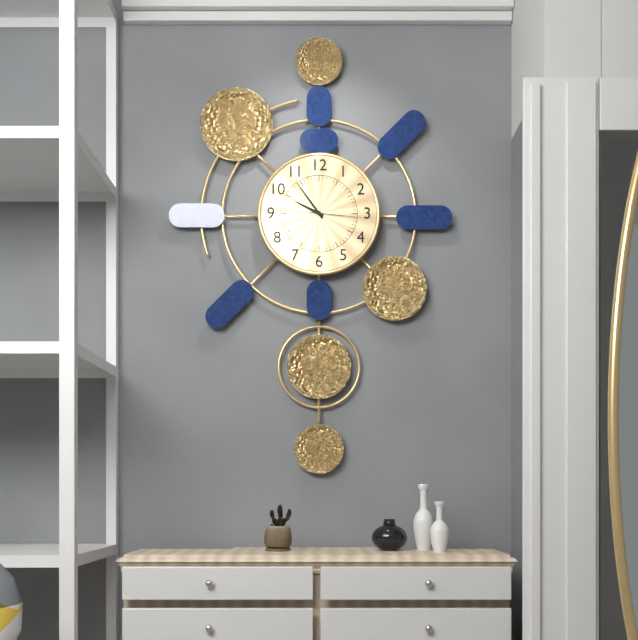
**9:54:16**
